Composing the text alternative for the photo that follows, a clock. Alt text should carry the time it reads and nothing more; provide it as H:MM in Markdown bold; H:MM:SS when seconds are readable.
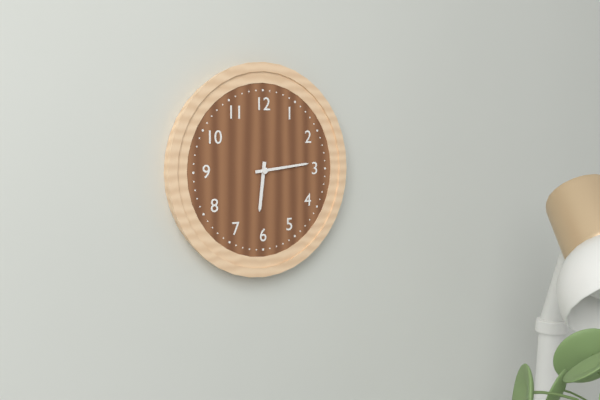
**6:14**
